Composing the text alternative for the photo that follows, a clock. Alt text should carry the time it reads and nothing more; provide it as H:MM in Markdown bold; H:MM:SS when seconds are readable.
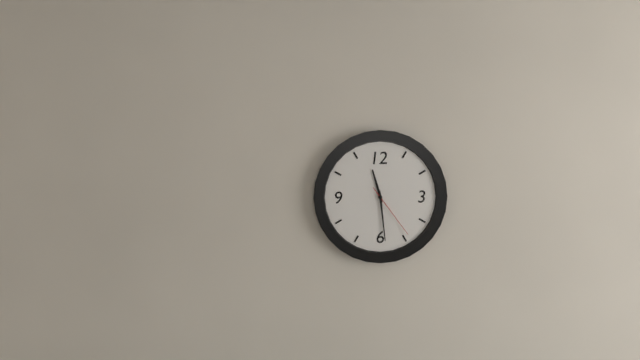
**11:29:24**
